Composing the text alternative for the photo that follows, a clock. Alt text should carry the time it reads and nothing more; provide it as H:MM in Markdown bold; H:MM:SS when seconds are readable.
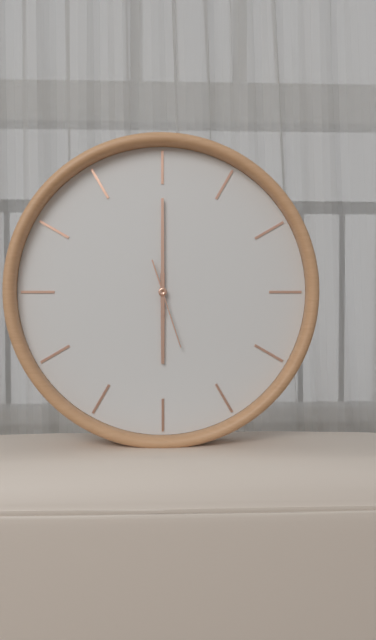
**6:00:27**
